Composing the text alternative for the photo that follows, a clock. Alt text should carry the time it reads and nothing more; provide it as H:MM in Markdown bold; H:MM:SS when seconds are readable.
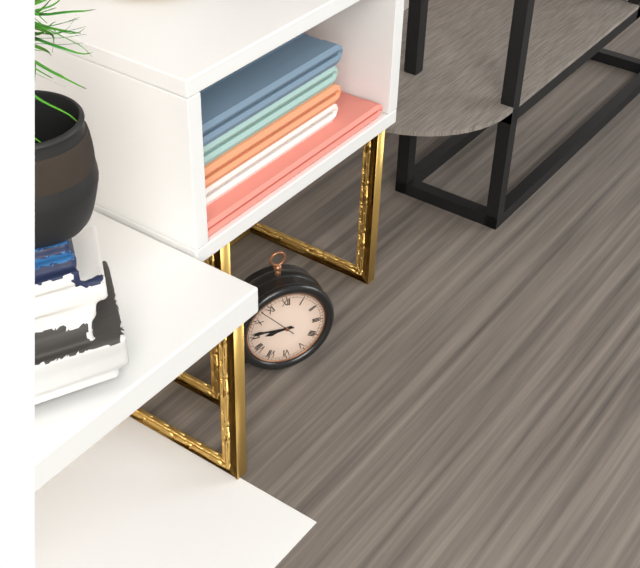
**8:46**
